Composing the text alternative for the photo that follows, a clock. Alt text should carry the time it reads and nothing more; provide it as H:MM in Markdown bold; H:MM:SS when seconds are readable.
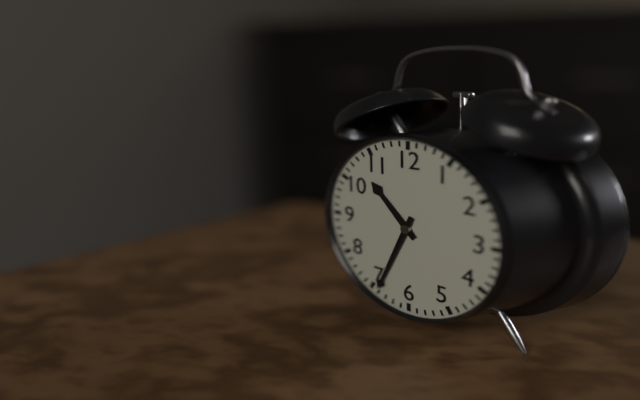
**10:34**
